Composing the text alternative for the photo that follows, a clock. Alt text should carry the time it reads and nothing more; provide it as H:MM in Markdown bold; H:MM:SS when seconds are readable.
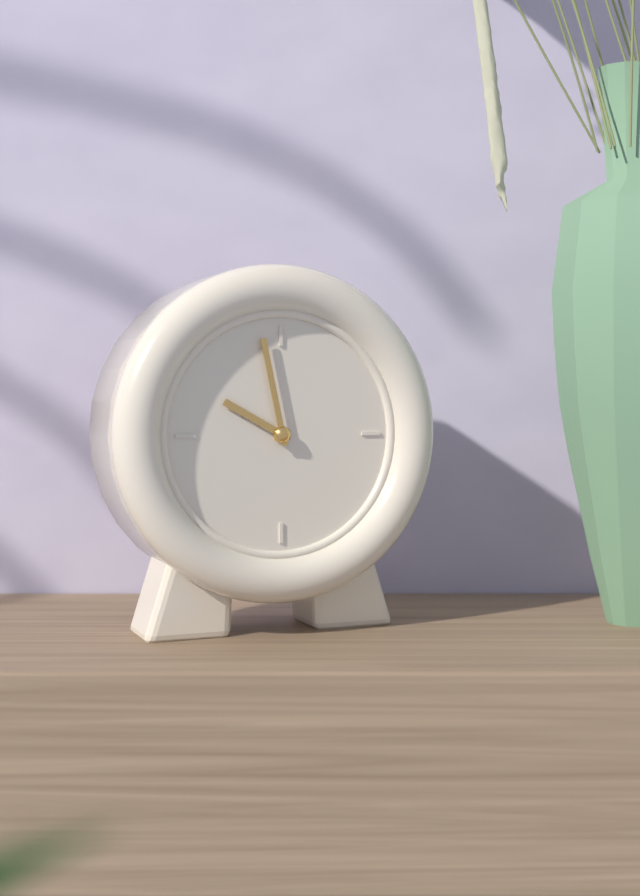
**9:58**
